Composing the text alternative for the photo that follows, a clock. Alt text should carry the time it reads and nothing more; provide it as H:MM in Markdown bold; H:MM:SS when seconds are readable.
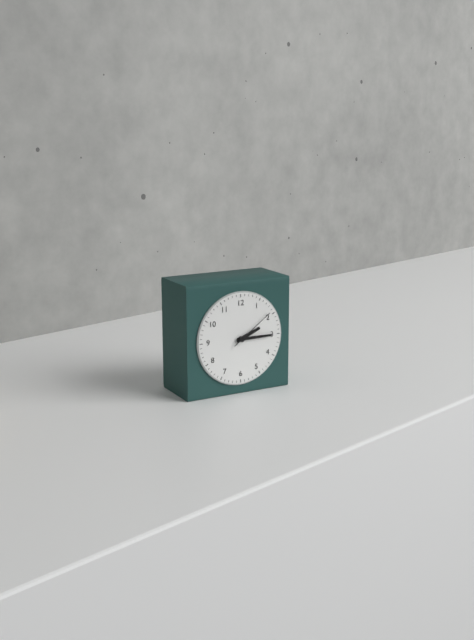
**2:15**
